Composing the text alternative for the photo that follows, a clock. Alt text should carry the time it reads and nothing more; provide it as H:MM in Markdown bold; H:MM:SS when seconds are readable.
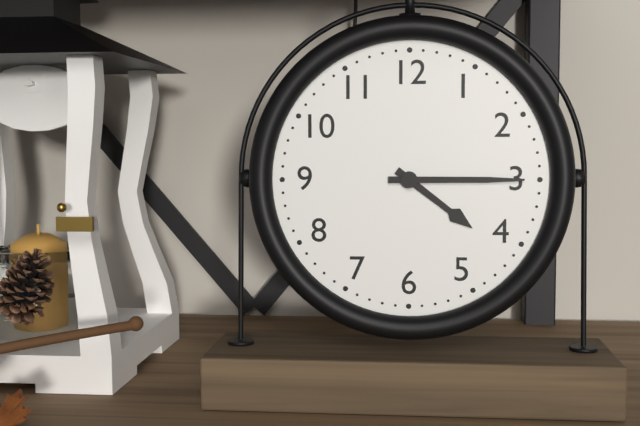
**4:15**
